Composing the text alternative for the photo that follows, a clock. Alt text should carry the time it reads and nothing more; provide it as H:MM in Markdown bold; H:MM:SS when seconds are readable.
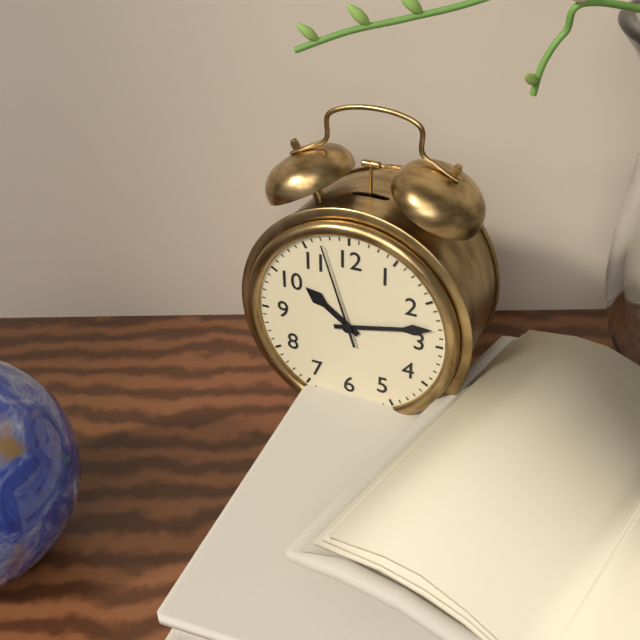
**10:13:57**
